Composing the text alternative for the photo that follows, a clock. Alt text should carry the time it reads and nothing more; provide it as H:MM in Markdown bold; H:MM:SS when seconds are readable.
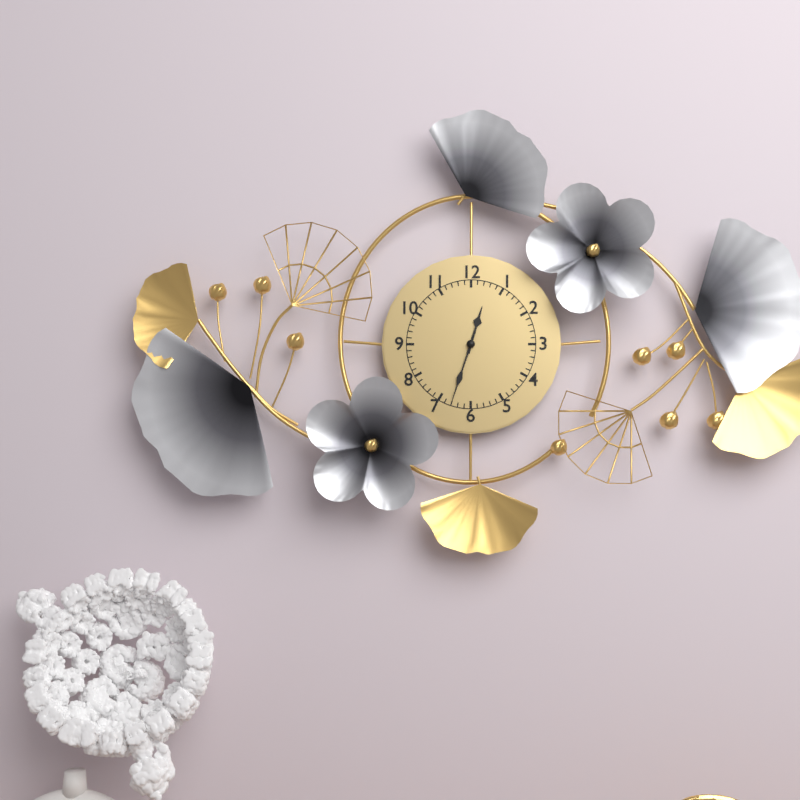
**12:33**
